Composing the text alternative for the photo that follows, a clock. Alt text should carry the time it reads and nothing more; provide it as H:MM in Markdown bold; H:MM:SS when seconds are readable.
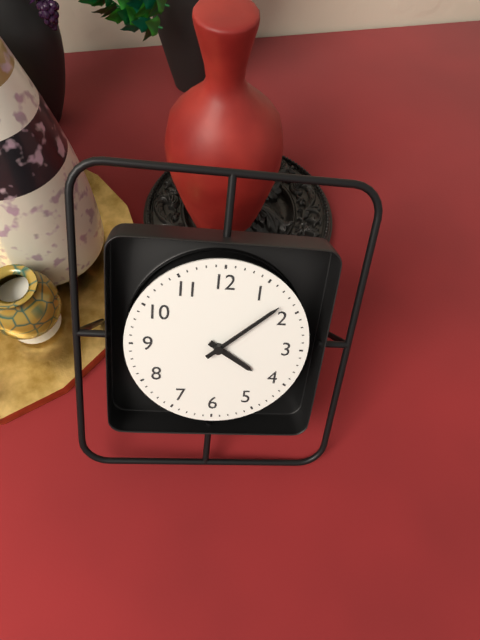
**4:08**
